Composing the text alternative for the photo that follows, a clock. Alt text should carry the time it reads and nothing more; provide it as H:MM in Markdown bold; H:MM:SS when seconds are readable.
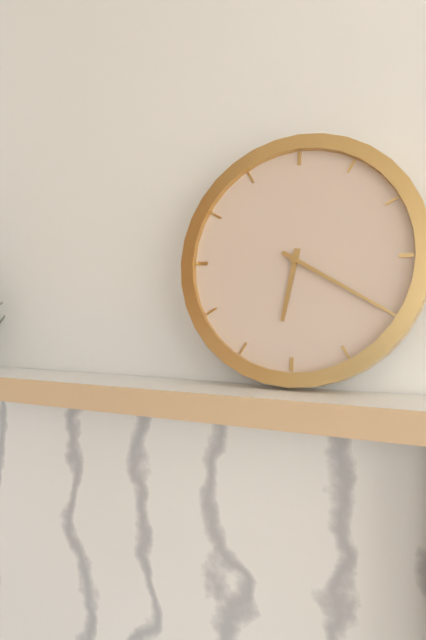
**6:20**
